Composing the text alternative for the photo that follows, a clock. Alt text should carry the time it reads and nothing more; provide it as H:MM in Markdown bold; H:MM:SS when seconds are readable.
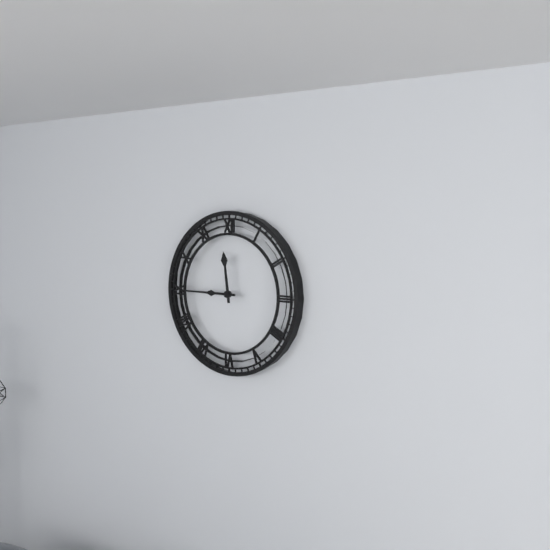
**11:45**
